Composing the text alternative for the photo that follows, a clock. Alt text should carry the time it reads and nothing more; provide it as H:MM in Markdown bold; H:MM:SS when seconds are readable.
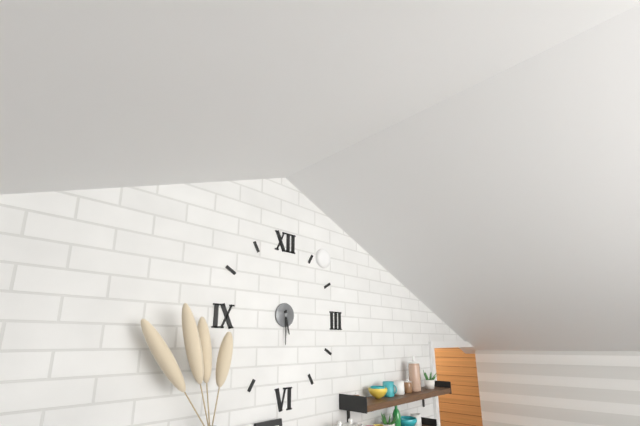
**5:30**
